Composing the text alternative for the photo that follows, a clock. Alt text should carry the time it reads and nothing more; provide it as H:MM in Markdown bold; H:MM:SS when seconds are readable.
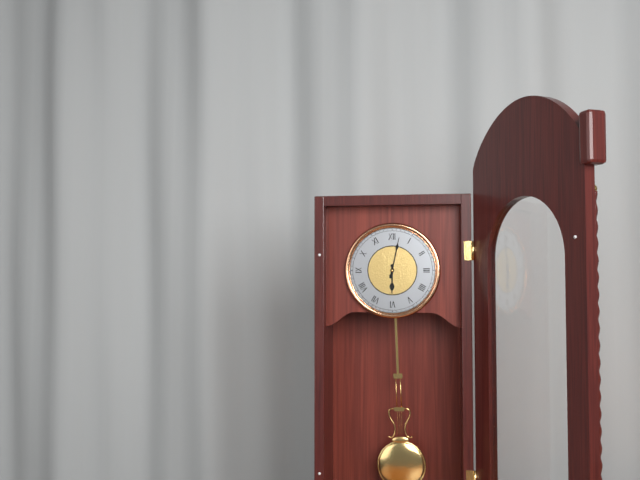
**6:02**
